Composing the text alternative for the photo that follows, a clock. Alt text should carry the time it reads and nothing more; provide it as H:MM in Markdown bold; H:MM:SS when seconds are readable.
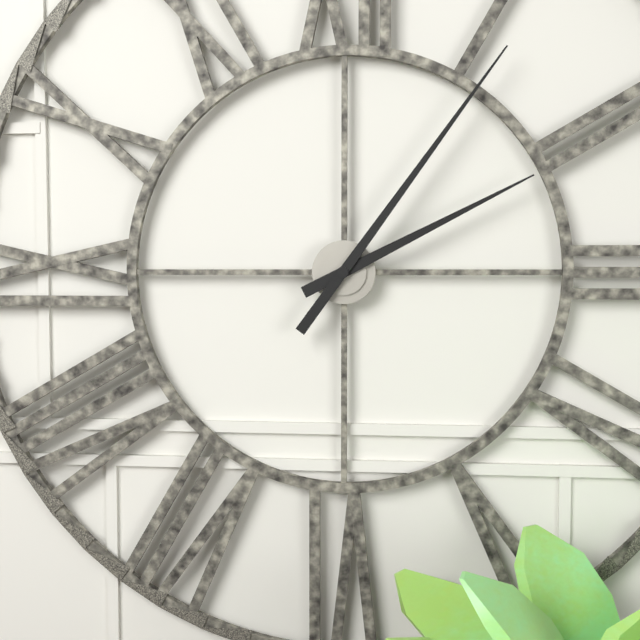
**2:06**
